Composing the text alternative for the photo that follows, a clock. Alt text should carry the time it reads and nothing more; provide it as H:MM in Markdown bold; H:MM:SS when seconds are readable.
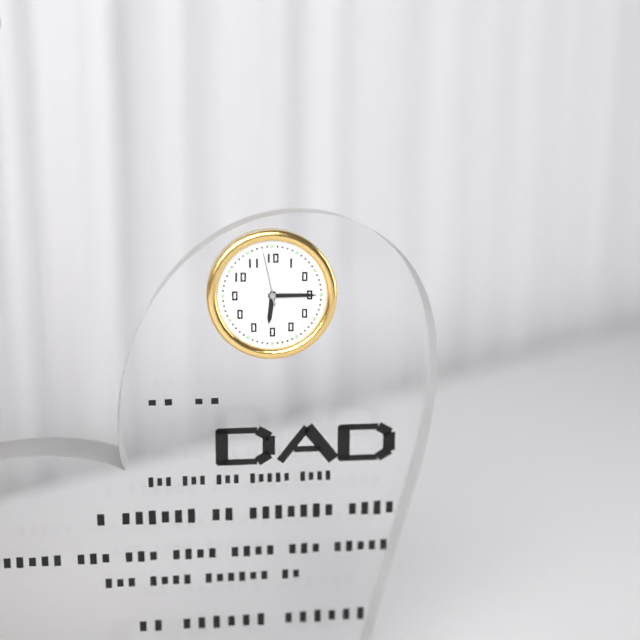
**6:15:58**
